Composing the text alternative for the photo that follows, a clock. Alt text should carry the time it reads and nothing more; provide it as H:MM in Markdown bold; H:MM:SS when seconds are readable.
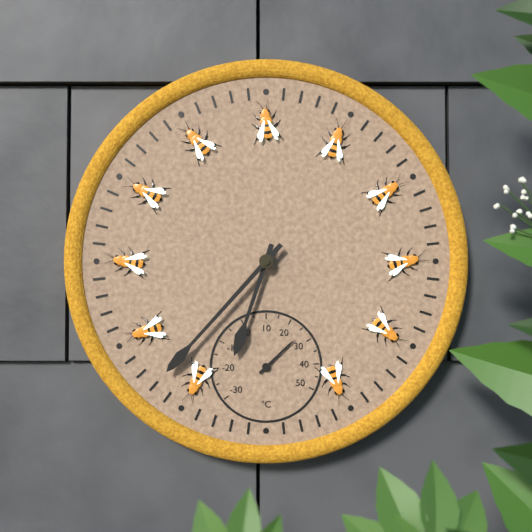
**6:37**
